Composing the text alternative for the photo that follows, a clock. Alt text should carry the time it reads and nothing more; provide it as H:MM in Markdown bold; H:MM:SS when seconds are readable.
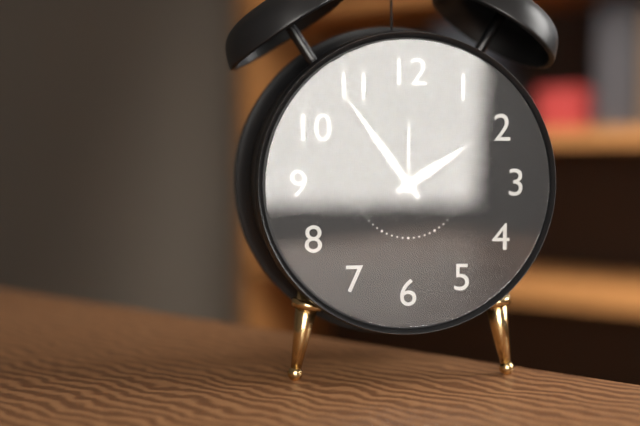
**1:54**
